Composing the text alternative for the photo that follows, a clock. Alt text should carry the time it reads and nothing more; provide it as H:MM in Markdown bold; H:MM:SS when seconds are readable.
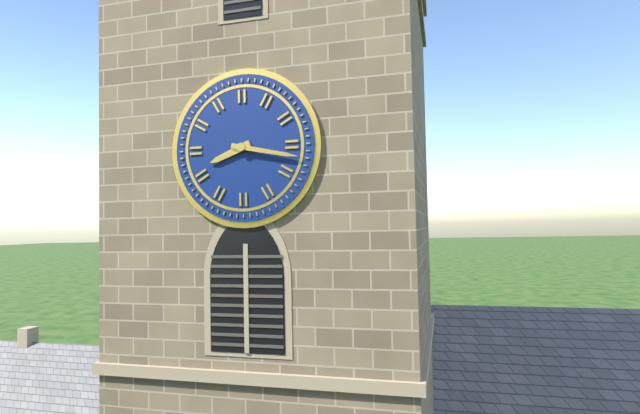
**8:17**
